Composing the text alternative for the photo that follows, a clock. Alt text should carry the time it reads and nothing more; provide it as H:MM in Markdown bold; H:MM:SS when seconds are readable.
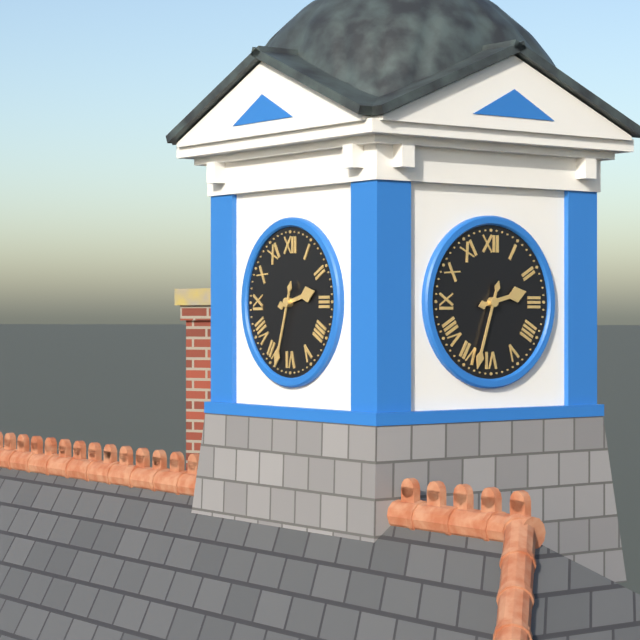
**2:33**
